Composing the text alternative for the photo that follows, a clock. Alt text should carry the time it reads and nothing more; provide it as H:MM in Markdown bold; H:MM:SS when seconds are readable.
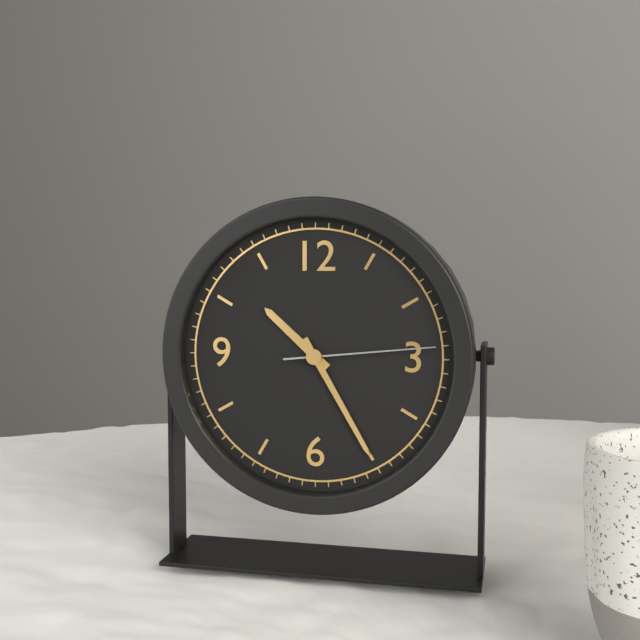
**10:25:14**
